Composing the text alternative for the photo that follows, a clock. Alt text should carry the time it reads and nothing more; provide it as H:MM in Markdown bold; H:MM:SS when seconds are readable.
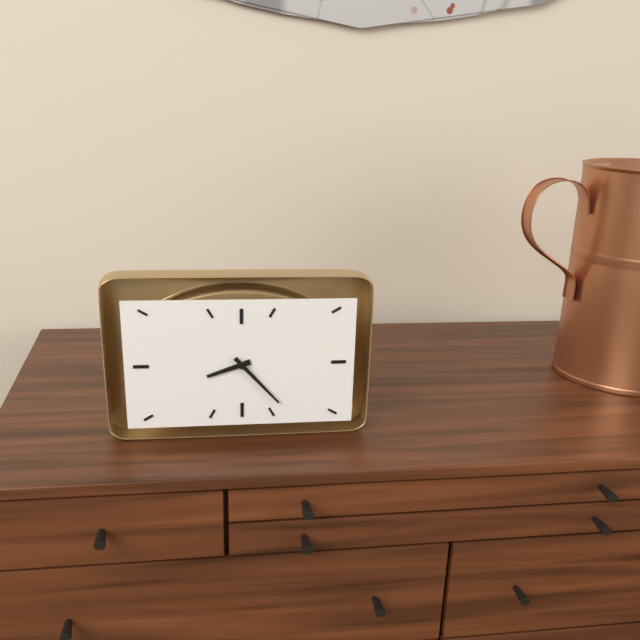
**8:23**
